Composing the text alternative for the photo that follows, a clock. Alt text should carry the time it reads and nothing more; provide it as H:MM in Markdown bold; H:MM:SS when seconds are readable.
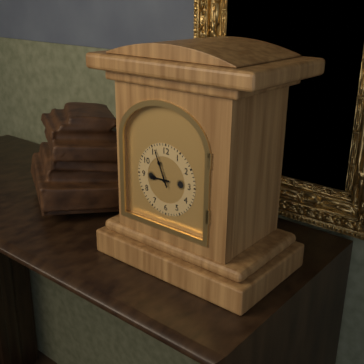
**8:56**
